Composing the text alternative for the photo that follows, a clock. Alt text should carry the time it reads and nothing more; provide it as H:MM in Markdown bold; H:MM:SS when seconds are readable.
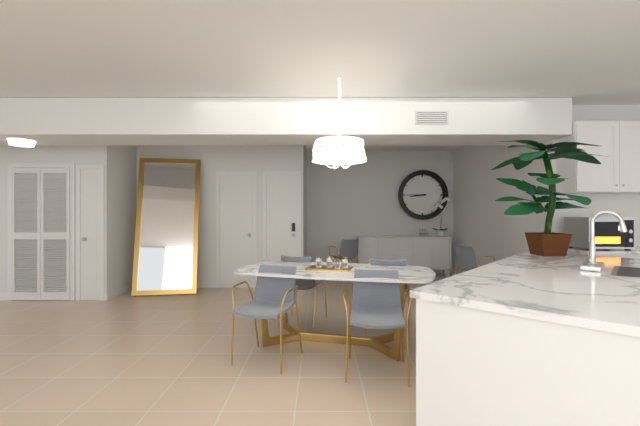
**8:45**
